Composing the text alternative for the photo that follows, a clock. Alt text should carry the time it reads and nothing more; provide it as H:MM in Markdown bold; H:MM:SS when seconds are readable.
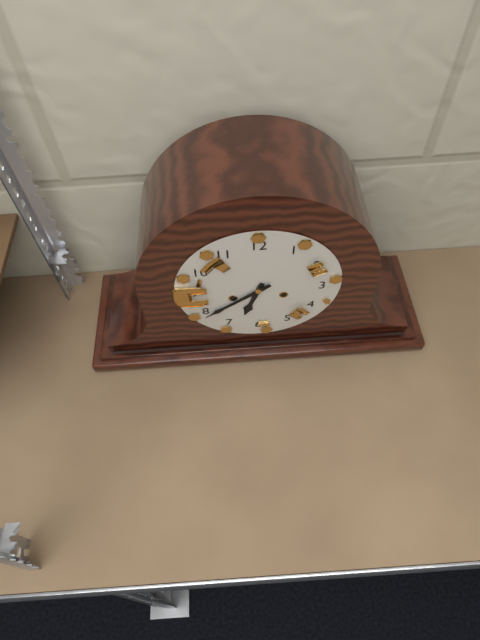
**6:39**
